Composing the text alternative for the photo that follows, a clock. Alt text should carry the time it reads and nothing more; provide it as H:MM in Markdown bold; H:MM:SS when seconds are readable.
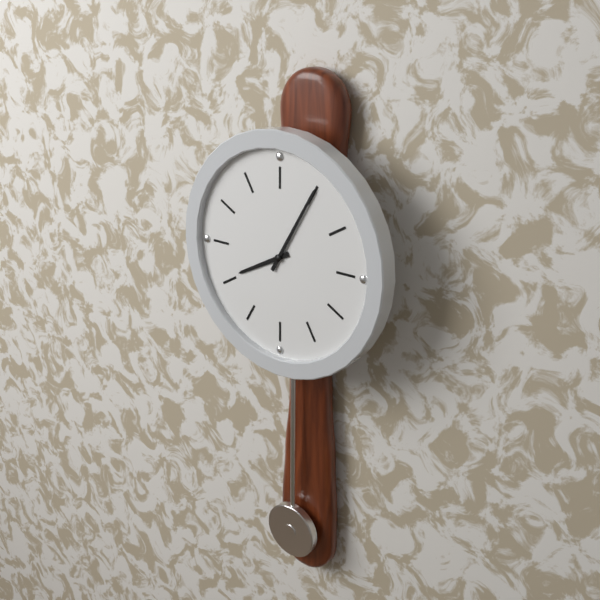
**8:05**
